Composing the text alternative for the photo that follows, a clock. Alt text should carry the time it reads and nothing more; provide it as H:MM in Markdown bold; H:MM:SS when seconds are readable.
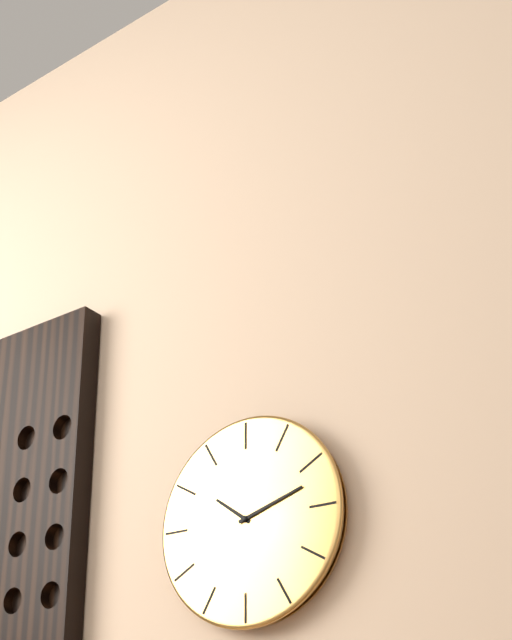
**10:12**
